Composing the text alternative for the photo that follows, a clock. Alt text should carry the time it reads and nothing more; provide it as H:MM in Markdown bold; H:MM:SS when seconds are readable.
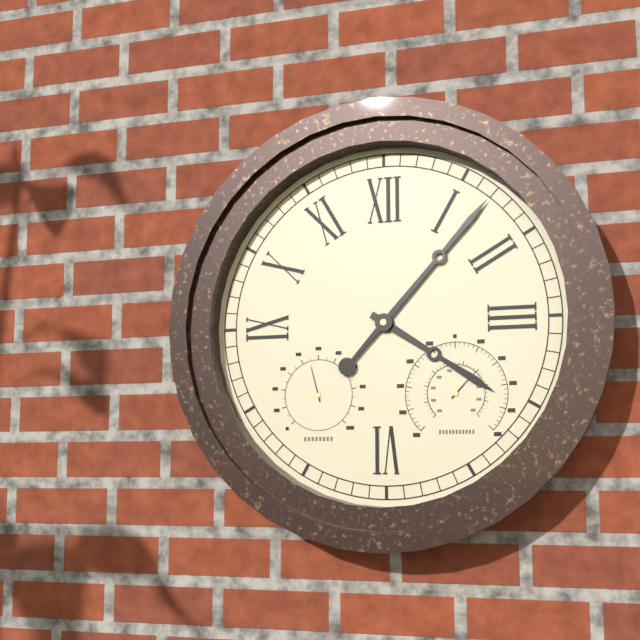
**4:07**
